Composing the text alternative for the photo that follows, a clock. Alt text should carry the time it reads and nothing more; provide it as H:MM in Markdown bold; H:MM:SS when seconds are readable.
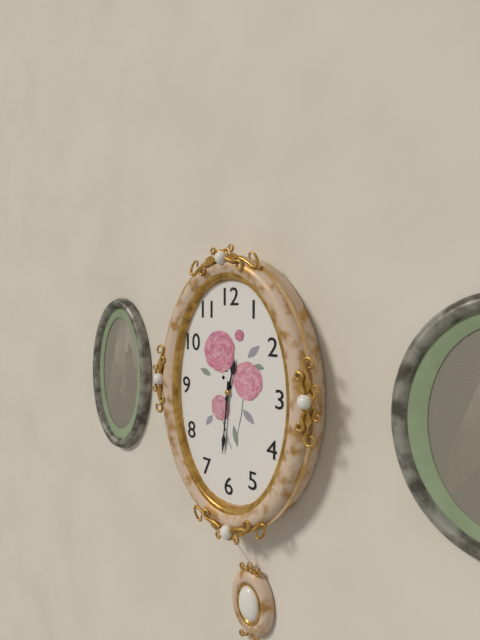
**12:31**
